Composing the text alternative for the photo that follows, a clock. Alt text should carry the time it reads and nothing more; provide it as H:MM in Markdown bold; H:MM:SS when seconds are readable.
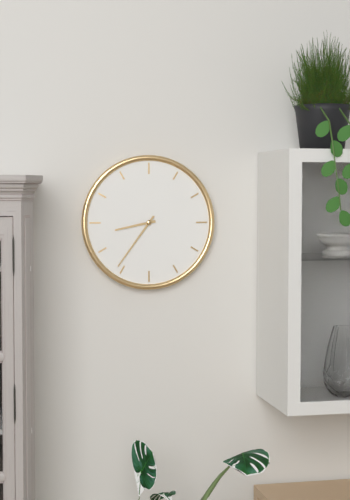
**8:36**
